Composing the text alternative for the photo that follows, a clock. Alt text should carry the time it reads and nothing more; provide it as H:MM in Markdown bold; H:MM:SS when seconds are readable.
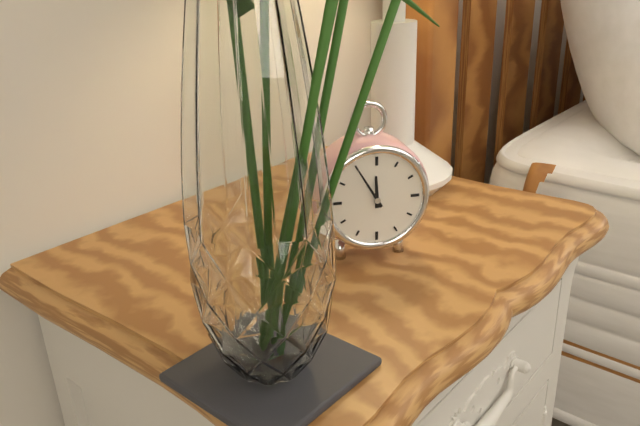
**11:55**
